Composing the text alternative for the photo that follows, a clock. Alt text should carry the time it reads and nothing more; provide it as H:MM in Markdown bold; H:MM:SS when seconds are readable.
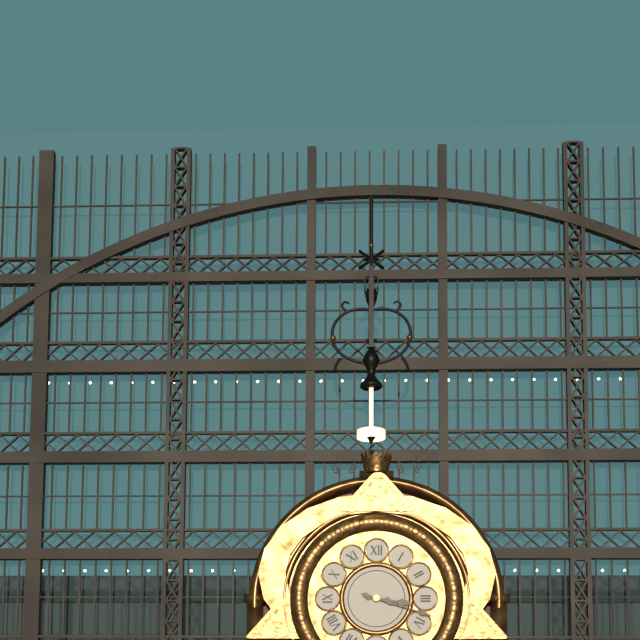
**3:18**
